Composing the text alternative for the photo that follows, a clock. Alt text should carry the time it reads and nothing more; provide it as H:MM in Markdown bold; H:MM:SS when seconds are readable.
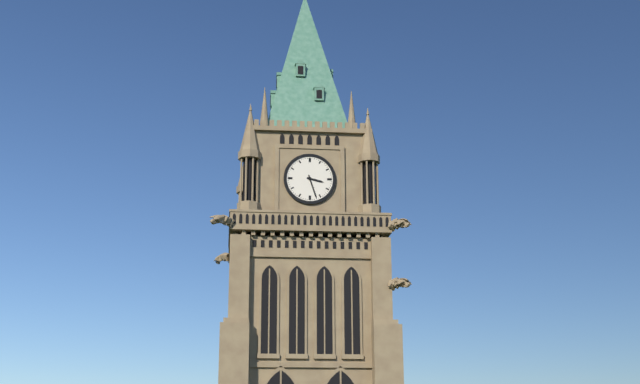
**3:27**
